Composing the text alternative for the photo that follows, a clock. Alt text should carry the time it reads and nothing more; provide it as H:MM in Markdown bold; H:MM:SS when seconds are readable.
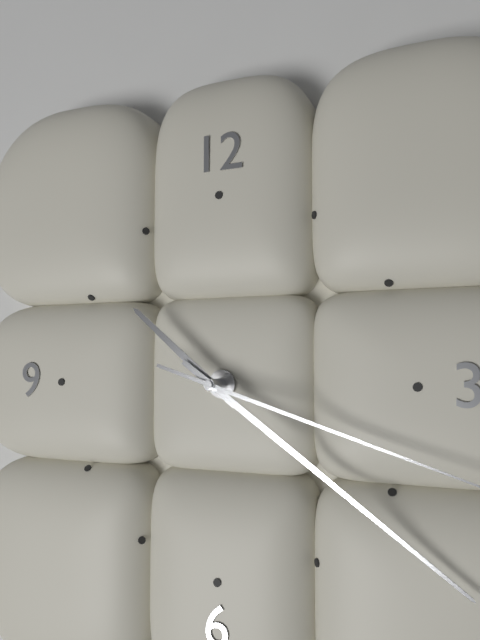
**10:21**
